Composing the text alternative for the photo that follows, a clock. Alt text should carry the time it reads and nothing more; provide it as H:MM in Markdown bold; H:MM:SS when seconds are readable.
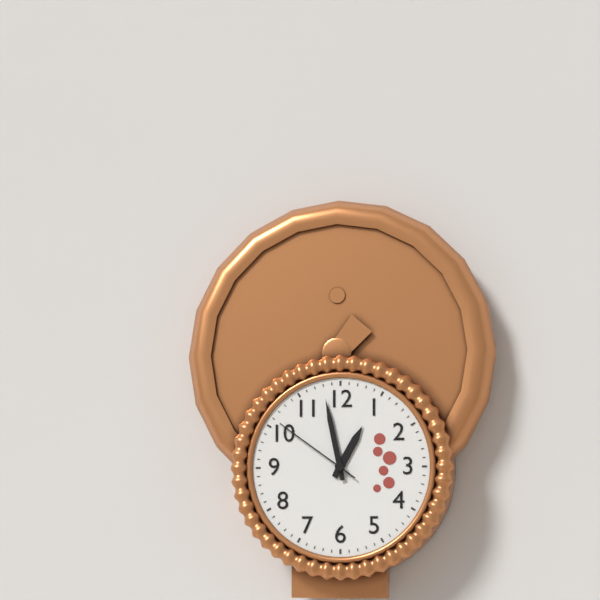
**12:58:51**
